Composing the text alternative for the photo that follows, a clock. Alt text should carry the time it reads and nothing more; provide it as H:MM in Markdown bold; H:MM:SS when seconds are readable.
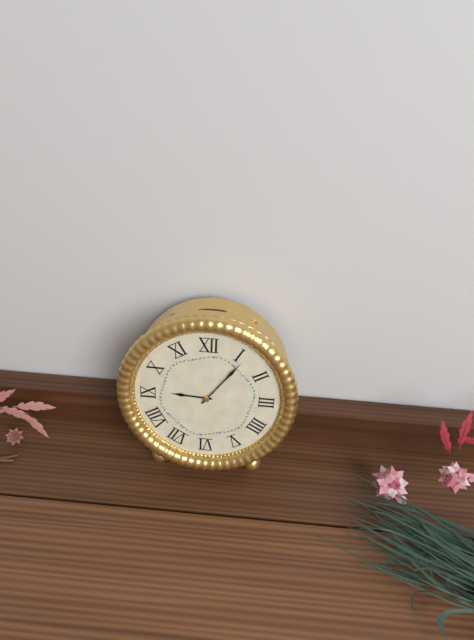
**9:06**
